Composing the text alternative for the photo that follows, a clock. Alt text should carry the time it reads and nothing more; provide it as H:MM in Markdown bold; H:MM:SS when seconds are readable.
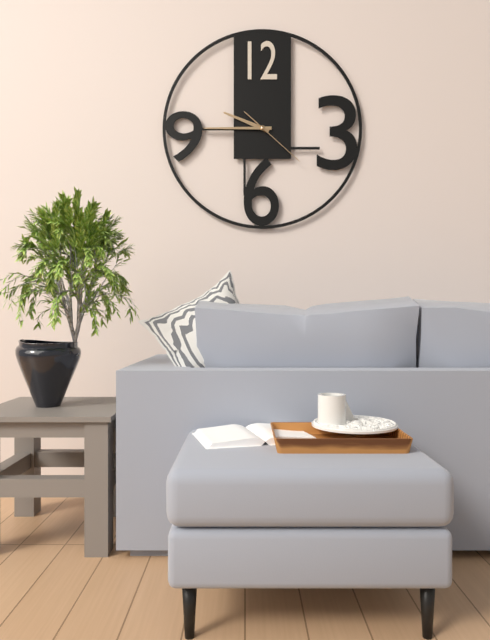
**9:45:22**
